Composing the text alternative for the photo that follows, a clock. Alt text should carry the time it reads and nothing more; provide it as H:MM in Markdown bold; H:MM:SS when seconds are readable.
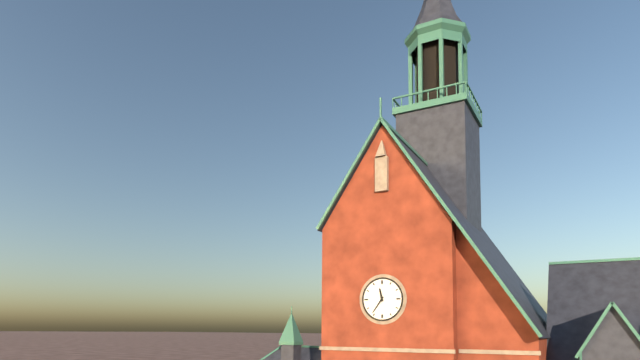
**11:36**
